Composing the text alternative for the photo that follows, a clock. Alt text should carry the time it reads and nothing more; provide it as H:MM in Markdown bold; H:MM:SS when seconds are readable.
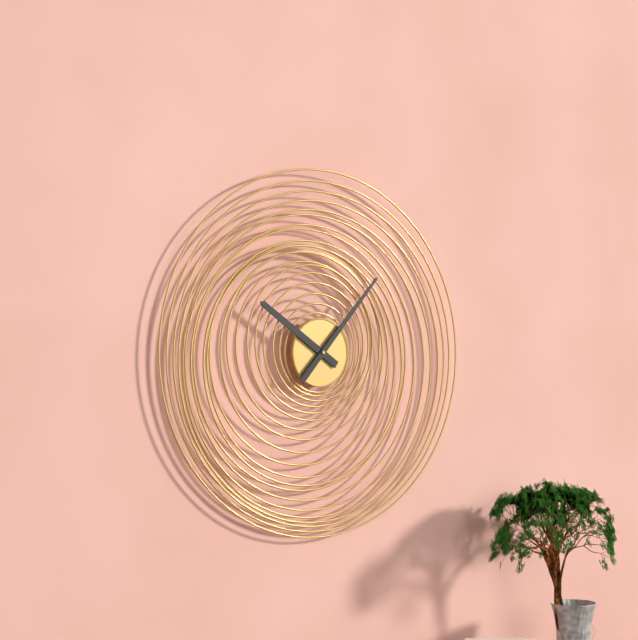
**10:07**
